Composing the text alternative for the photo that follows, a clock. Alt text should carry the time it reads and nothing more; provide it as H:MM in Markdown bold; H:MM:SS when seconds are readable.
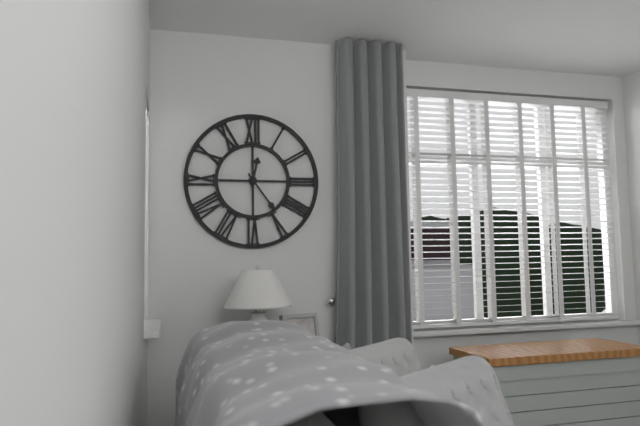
**12:24**
